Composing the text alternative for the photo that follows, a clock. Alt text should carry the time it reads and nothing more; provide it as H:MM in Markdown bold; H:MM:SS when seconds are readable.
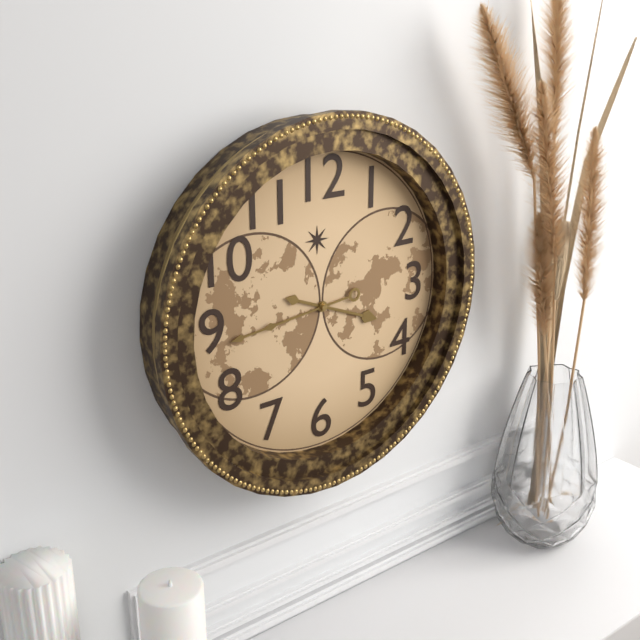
**3:44**
